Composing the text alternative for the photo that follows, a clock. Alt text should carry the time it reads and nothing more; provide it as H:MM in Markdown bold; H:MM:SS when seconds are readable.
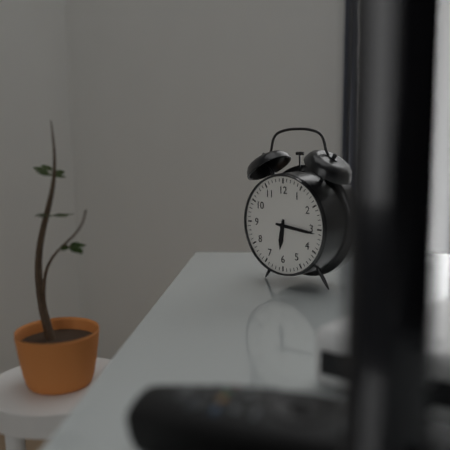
**6:16**
